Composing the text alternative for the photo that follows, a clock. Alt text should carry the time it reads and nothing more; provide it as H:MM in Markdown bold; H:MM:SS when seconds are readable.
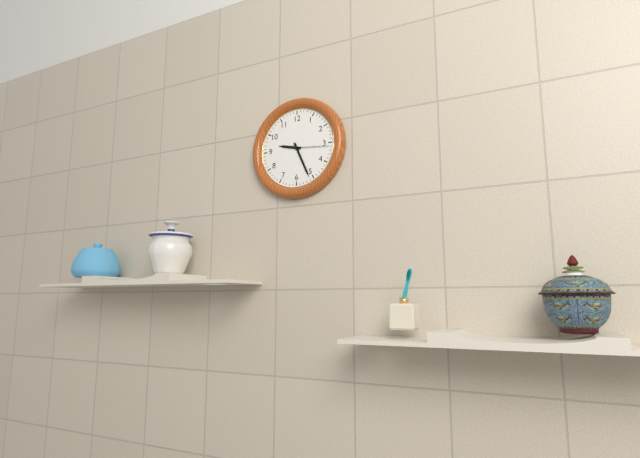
**9:26**
